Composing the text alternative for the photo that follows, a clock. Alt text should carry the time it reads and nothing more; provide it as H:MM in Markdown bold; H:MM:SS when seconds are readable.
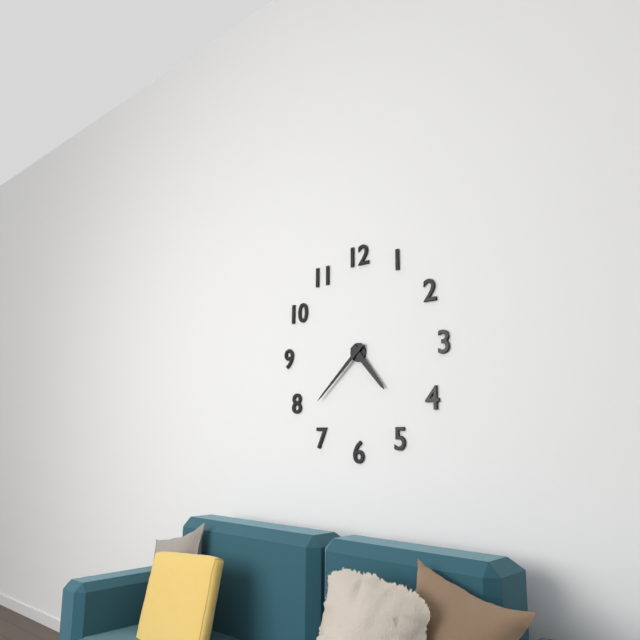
**4:38**
